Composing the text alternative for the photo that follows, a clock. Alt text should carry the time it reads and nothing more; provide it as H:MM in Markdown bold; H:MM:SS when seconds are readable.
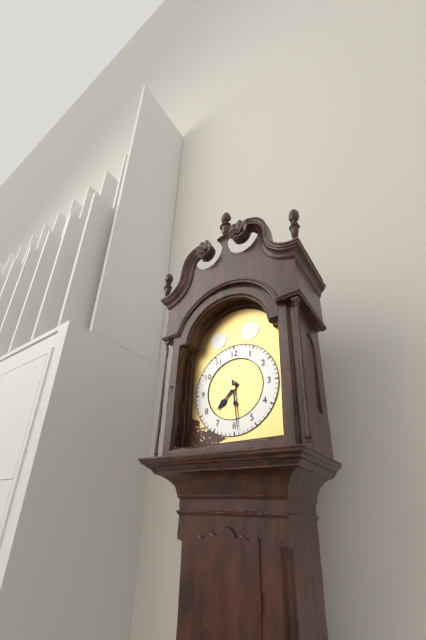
**7:29**
